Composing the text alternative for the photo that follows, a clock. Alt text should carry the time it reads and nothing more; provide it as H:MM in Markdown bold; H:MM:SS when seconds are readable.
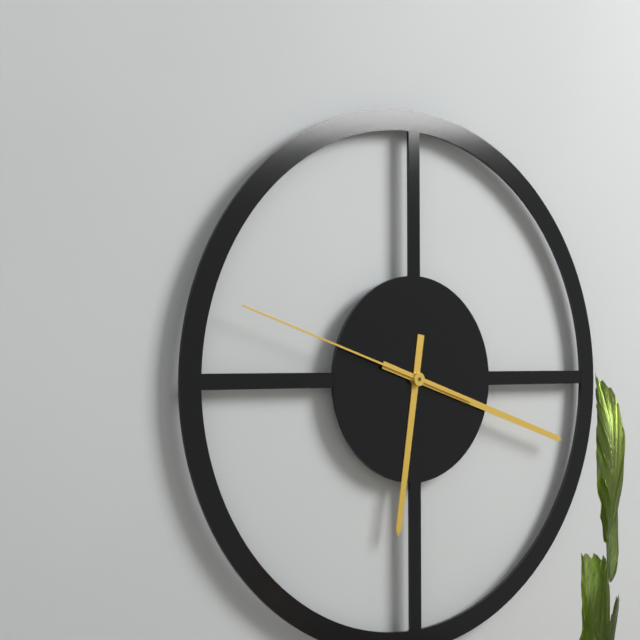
**6:18:48**
